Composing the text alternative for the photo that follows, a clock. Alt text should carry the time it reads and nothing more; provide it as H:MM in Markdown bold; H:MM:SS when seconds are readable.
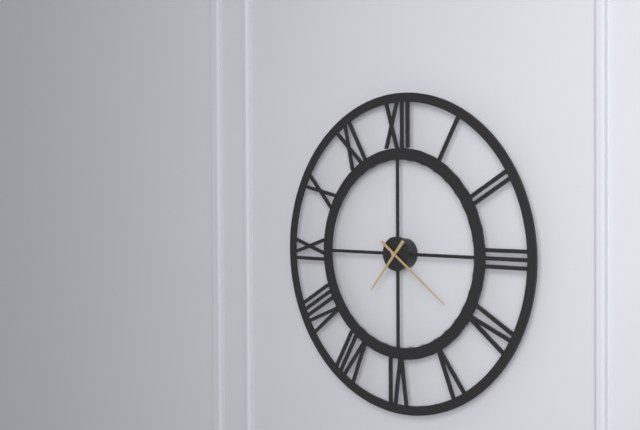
**7:21**
